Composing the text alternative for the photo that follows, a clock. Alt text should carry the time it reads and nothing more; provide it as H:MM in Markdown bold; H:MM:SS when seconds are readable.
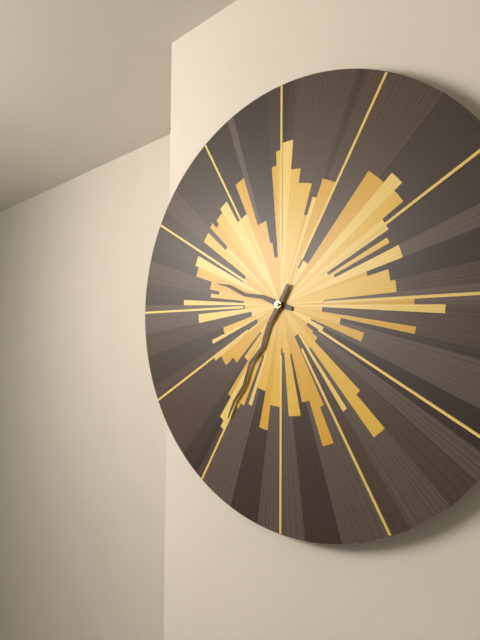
**9:35**
